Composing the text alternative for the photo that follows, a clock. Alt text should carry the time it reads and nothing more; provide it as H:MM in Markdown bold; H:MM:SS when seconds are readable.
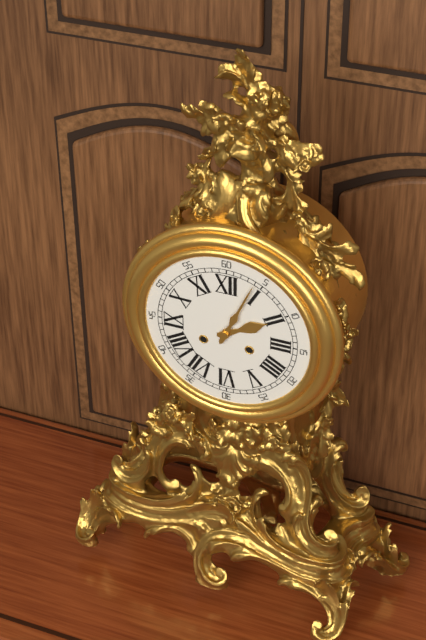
**2:04**
